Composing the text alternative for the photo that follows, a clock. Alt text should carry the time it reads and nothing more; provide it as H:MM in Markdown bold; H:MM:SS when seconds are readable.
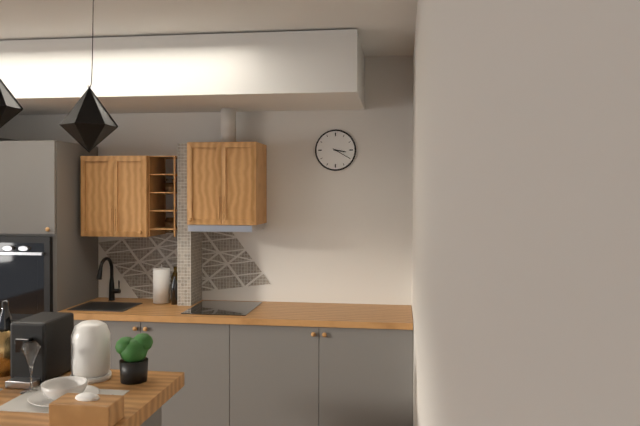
**3:20**
